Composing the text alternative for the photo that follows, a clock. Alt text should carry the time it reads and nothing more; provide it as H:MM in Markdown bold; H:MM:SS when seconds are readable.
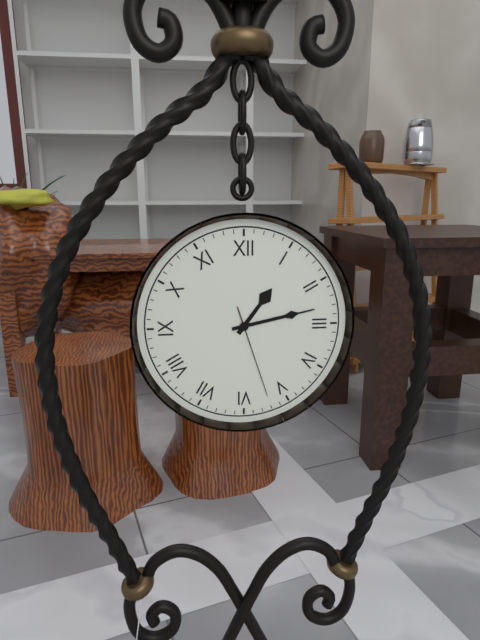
**1:13:27**
